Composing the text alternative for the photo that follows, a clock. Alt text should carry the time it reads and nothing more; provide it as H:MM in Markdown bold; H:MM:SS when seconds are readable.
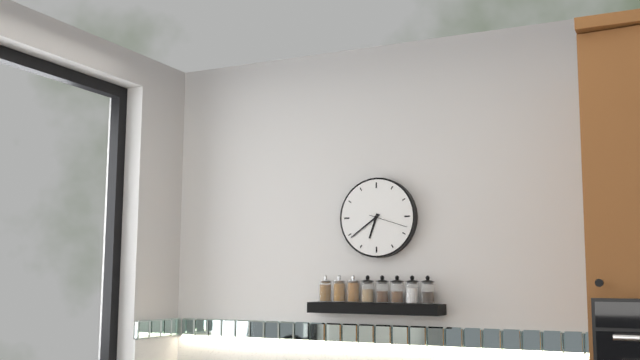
**6:39**
